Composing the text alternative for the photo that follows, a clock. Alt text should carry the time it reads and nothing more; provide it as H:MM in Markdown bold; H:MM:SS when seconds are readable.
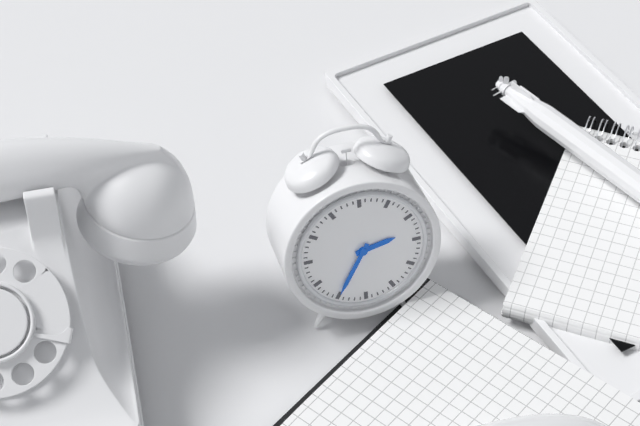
**2:35**
